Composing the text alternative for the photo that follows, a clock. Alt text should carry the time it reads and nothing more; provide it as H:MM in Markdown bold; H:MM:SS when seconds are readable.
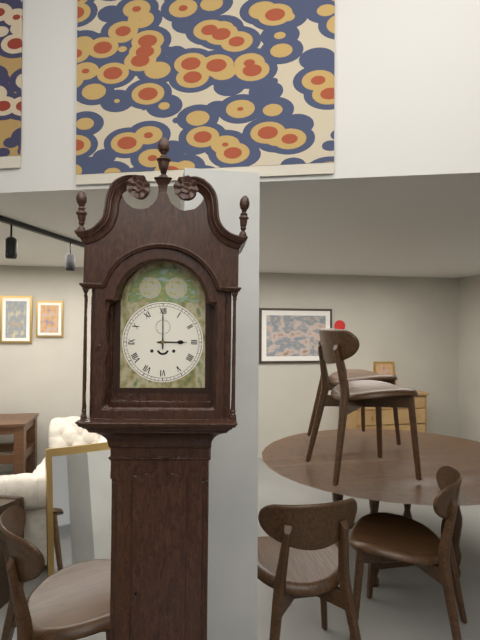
**3:00**
